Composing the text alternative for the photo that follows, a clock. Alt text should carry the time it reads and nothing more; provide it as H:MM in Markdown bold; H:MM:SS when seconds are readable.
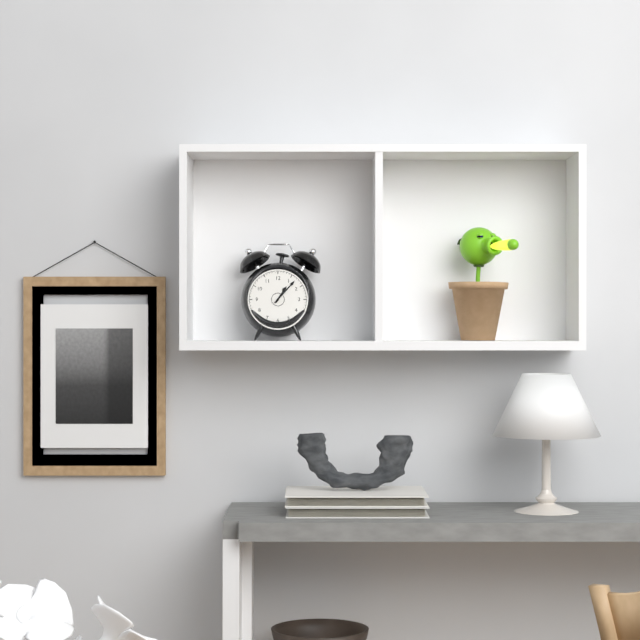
**1:07**
